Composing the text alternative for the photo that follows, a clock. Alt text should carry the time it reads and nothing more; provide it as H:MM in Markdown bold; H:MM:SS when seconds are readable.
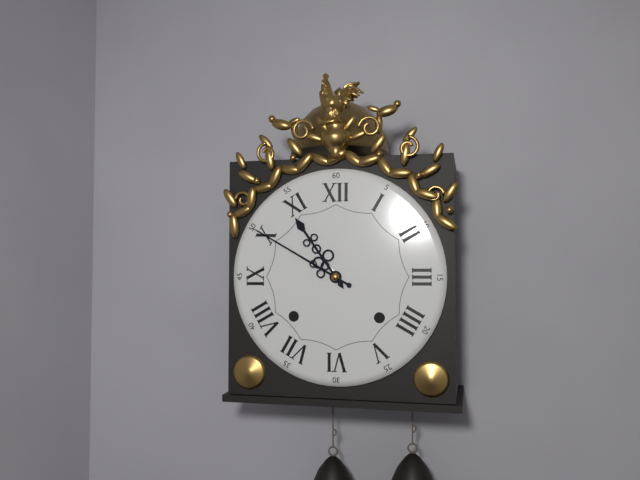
**10:50**
